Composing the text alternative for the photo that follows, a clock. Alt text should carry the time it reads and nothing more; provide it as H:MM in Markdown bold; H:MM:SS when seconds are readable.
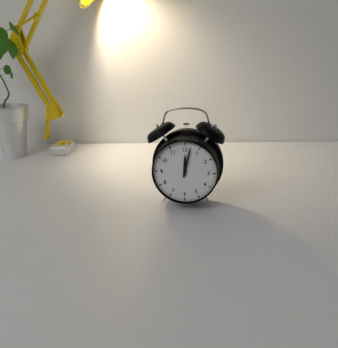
**12:02**
